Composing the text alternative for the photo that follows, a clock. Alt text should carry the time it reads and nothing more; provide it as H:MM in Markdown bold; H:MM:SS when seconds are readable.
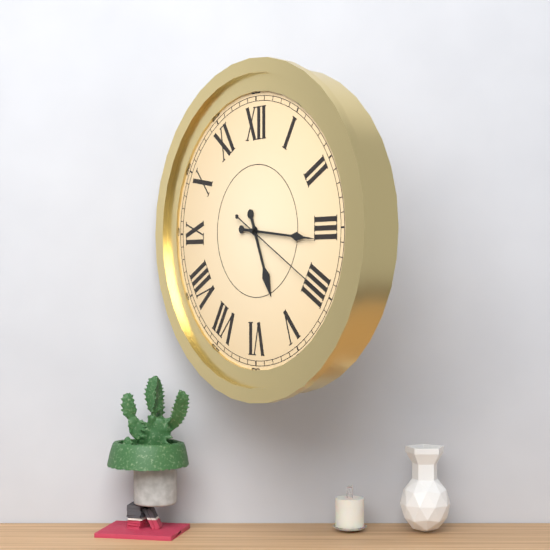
**5:16:20**
